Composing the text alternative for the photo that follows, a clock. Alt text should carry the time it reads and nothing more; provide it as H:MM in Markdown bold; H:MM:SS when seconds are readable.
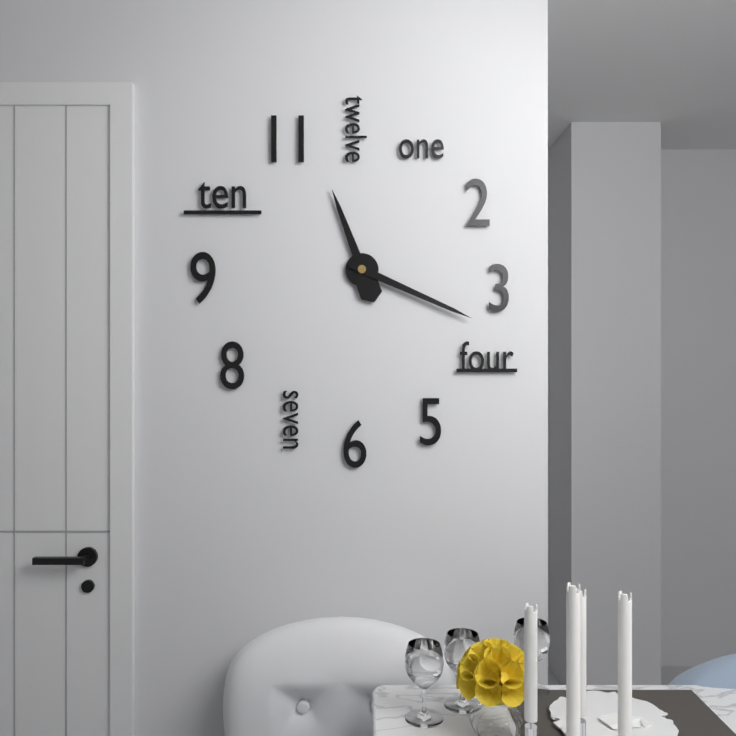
**11:19**
